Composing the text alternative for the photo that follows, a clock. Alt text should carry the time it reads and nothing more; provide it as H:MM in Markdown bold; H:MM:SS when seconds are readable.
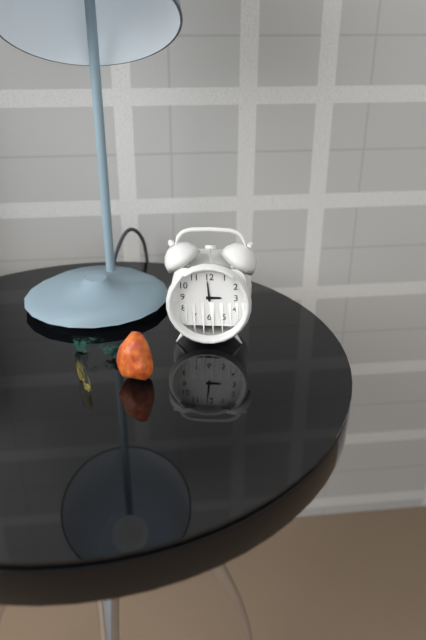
**2:59**
